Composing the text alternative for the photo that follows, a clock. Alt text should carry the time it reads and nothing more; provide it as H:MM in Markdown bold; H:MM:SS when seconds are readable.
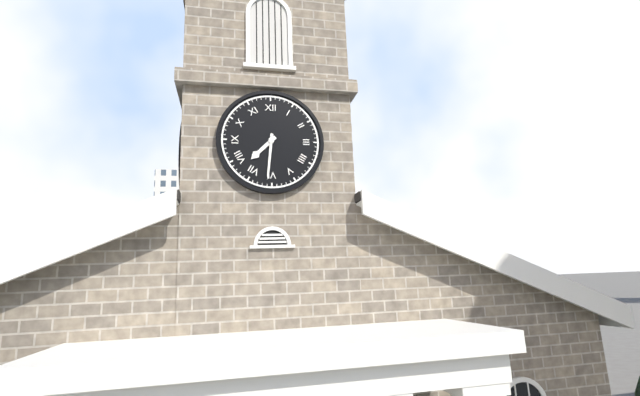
**7:31**
